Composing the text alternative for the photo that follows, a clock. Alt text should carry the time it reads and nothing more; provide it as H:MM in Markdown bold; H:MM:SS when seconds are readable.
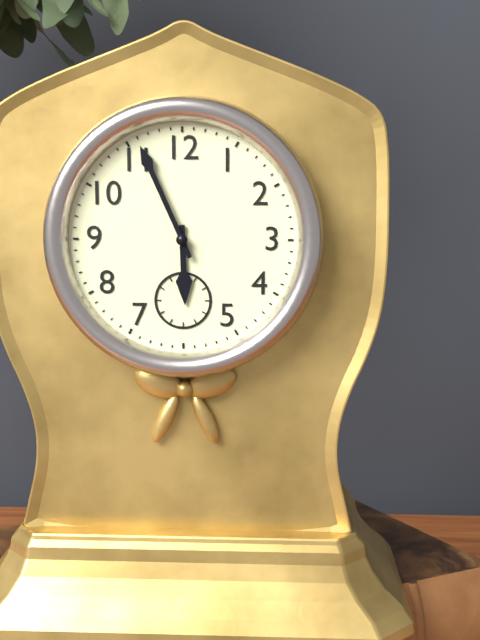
**5:56**
